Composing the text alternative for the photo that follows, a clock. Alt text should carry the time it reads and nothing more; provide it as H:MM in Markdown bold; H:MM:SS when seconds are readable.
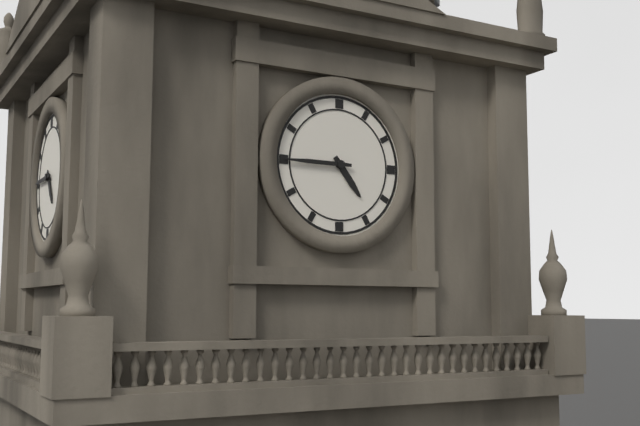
**4:45**
